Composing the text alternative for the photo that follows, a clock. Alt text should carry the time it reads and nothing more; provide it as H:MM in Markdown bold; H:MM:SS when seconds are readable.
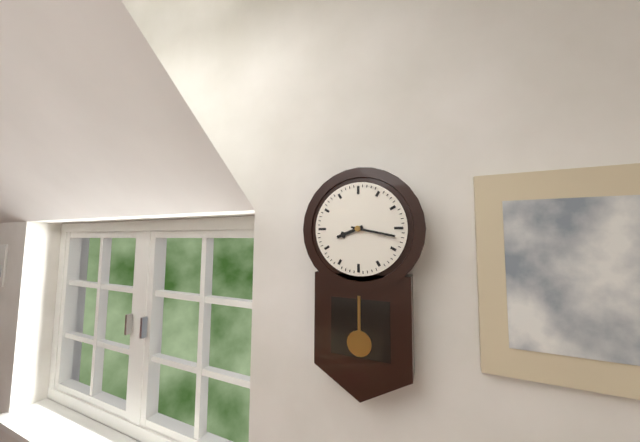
**8:17**
